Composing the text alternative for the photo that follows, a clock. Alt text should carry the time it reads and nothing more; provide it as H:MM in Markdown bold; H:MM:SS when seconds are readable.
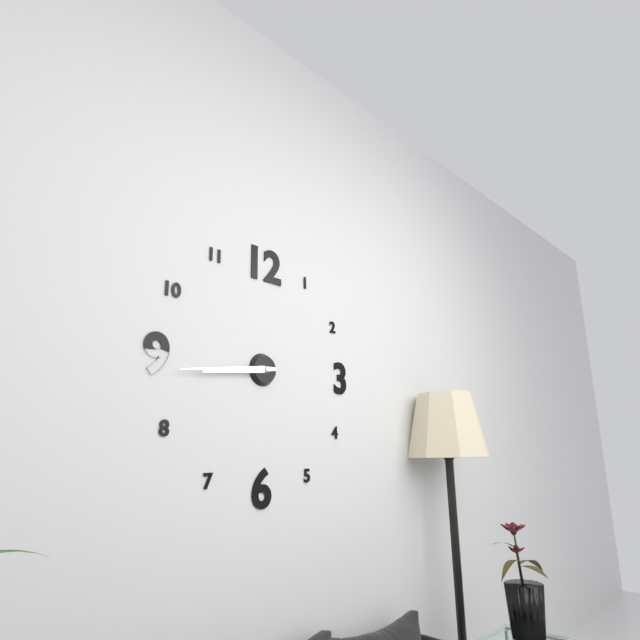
**8:44**
